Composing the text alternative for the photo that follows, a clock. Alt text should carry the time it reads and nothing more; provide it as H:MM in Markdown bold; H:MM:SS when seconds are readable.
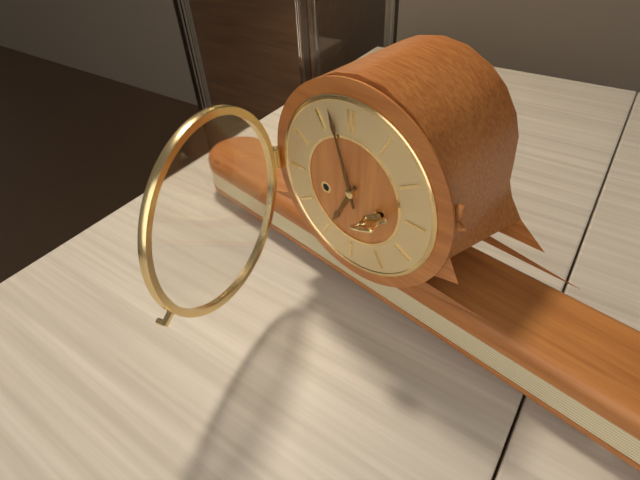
**6:57**
